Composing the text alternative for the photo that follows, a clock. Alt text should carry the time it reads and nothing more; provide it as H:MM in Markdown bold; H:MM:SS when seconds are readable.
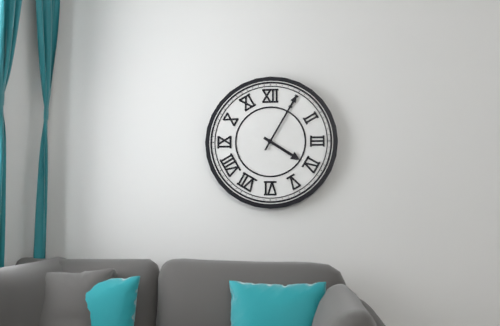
**4:05**
